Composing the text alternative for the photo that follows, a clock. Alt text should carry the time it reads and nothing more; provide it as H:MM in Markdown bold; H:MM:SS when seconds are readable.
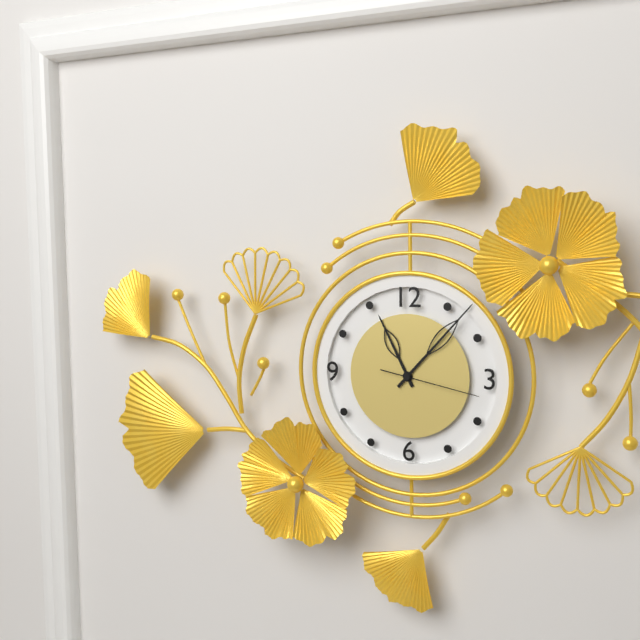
**11:07:17**
